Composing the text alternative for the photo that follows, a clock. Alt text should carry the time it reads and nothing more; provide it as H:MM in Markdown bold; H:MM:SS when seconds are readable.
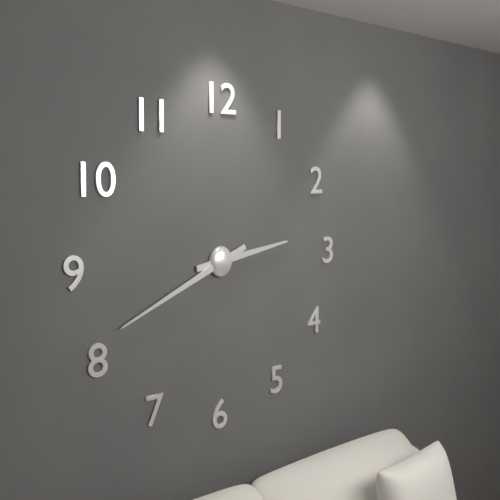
**2:41**
